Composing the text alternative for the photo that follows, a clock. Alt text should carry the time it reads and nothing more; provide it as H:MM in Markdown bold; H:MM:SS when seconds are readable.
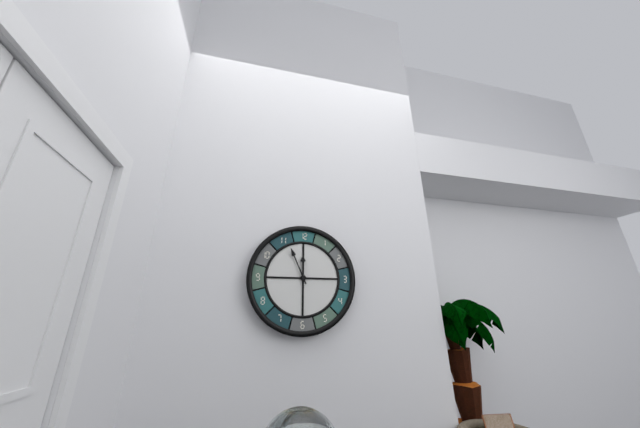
**11:56**
